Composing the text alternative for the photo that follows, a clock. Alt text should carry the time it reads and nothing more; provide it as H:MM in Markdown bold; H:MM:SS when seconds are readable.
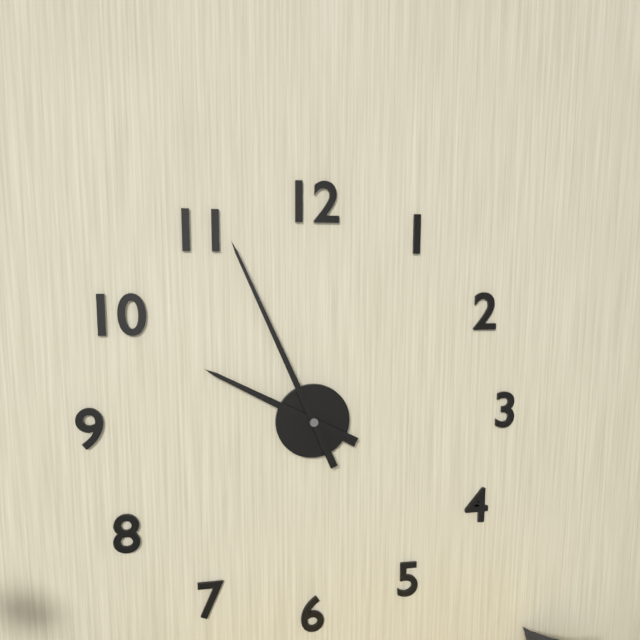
**9:56**
